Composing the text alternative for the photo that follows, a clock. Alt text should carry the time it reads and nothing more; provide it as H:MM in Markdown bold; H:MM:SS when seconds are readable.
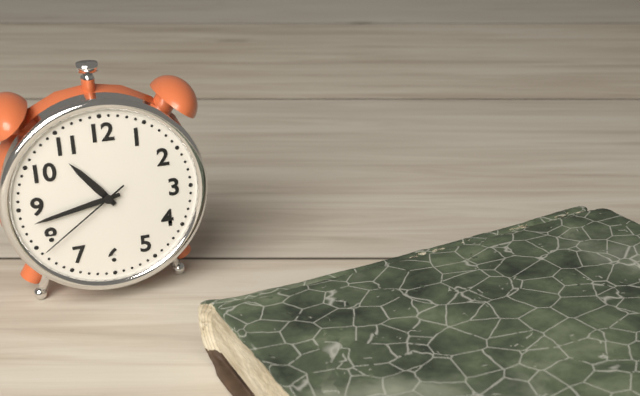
**10:43:39**
